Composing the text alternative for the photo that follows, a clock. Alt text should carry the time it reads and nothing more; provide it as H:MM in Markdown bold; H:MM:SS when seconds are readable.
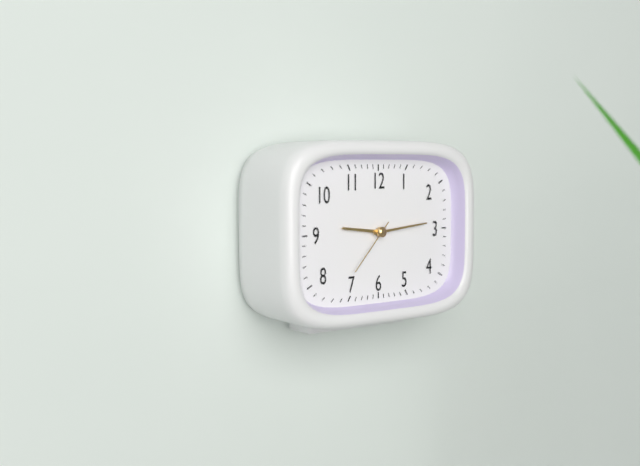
**9:14:37**
